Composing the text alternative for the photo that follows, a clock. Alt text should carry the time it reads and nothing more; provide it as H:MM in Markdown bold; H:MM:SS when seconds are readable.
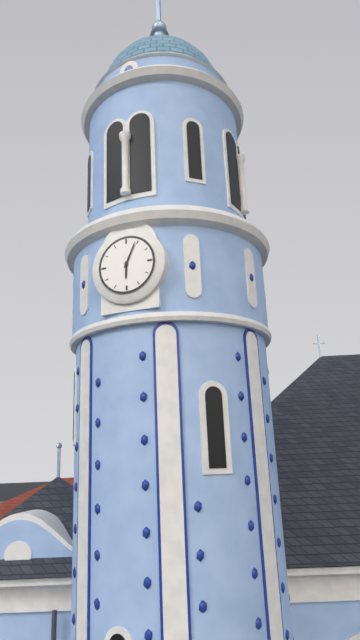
**6:04**
